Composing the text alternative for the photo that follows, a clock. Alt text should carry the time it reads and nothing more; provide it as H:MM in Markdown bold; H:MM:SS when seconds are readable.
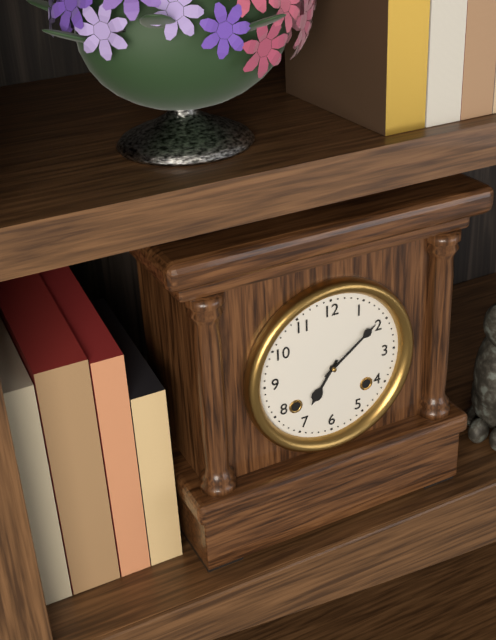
**7:09**
